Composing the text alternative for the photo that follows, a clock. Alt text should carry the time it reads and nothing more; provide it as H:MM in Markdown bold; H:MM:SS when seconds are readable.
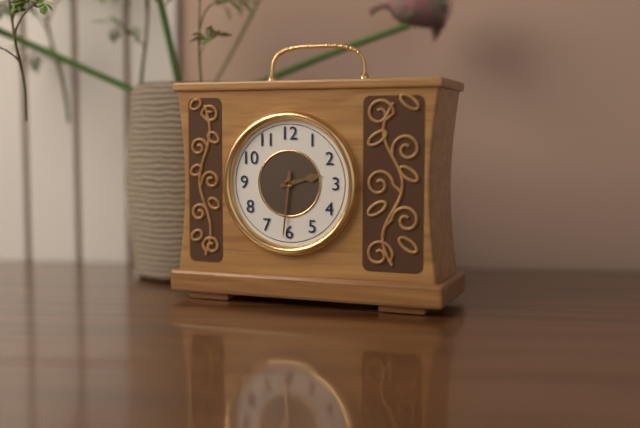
**2:31**
